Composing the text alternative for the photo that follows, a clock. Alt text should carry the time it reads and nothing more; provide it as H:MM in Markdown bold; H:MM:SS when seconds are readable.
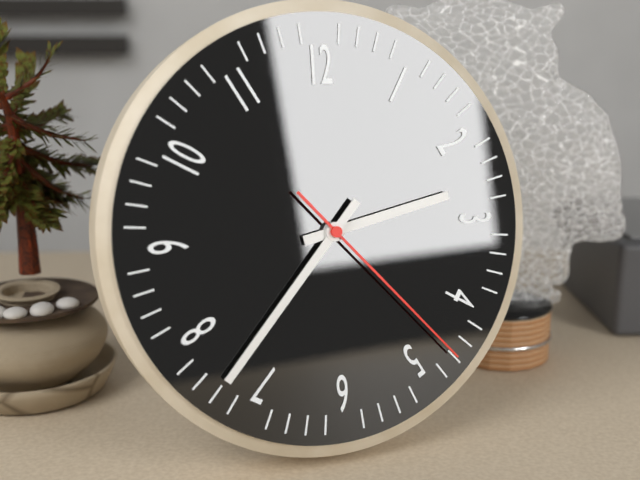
**2:37:23**
